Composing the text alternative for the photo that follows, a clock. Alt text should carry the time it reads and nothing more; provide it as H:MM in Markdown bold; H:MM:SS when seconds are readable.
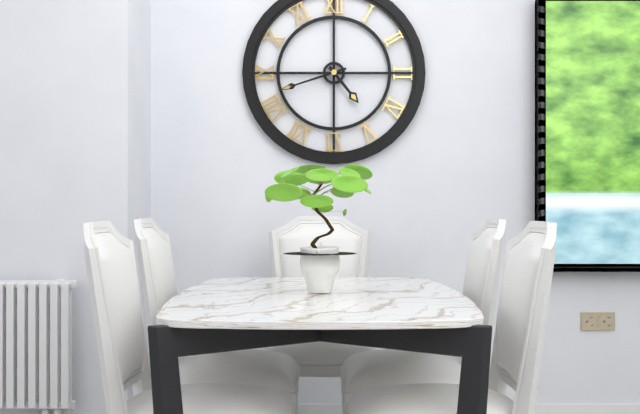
**4:42**
